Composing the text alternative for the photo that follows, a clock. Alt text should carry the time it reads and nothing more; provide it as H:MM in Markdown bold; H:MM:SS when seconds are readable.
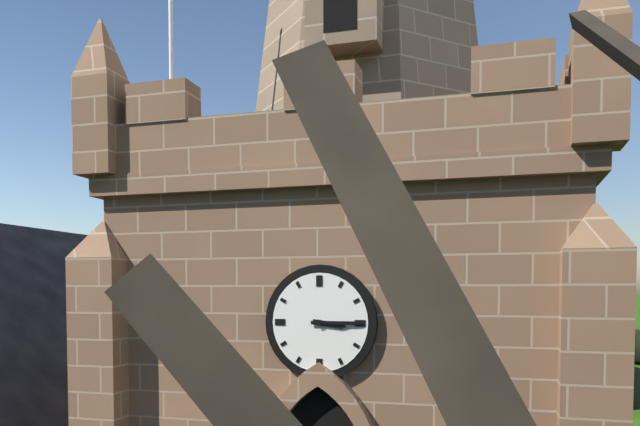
**3:15**
